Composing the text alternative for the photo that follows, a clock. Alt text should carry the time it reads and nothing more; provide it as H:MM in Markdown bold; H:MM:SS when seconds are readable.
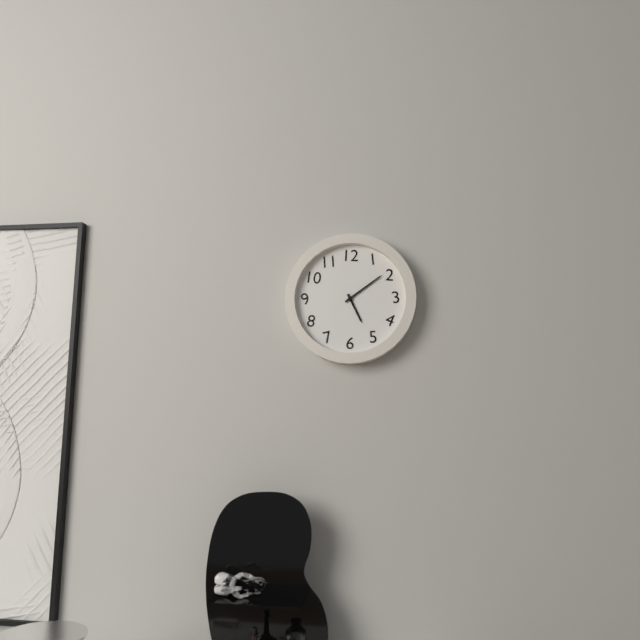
**5:09**
